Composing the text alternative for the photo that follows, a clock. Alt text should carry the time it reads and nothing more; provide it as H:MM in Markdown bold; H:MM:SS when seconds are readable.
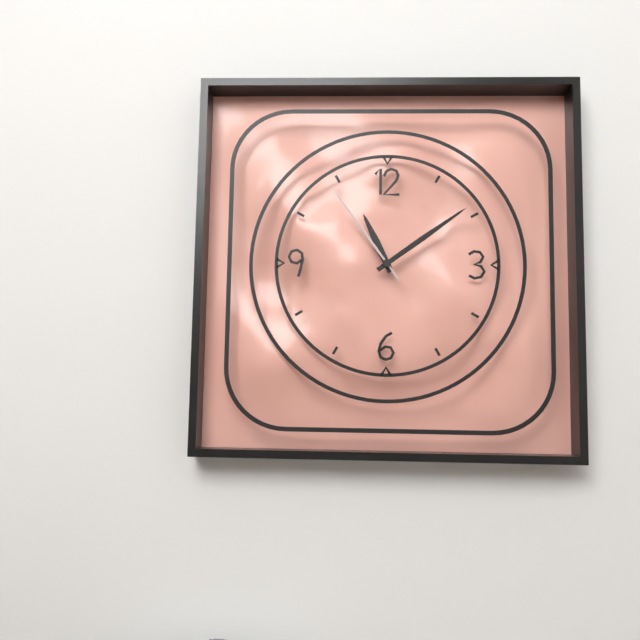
**11:09:54**
